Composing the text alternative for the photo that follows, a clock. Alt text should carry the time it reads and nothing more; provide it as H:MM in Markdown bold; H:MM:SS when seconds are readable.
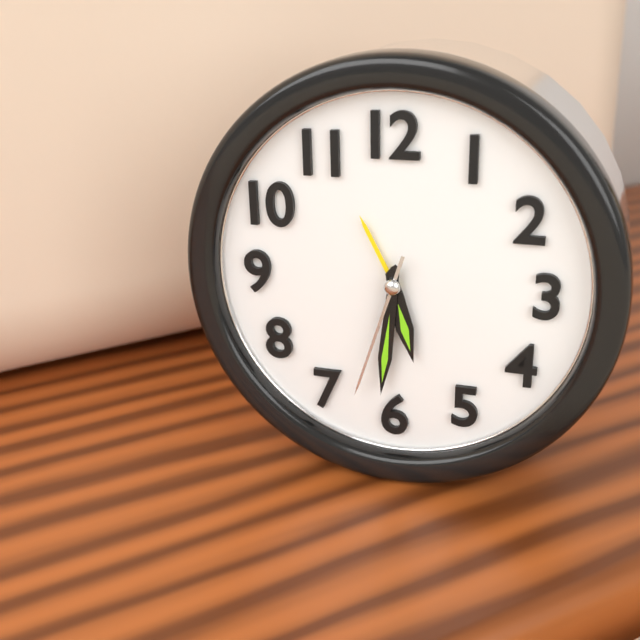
**5:31:33**
